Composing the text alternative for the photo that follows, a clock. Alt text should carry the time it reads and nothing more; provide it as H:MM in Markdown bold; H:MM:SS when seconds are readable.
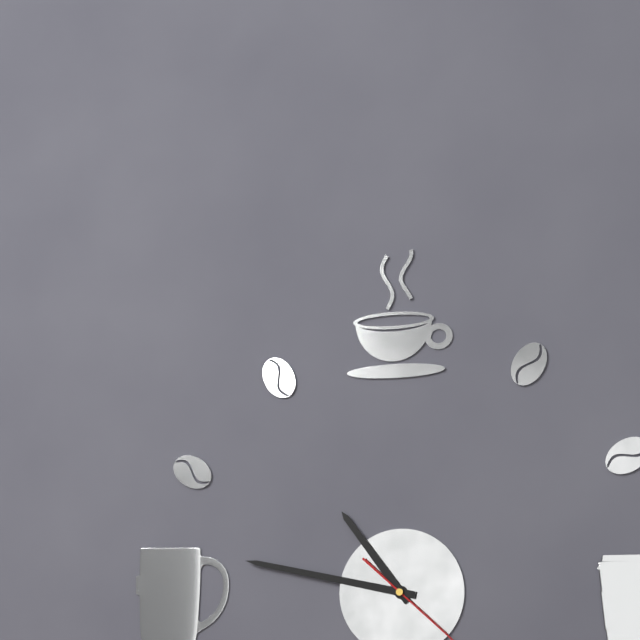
**10:47**
